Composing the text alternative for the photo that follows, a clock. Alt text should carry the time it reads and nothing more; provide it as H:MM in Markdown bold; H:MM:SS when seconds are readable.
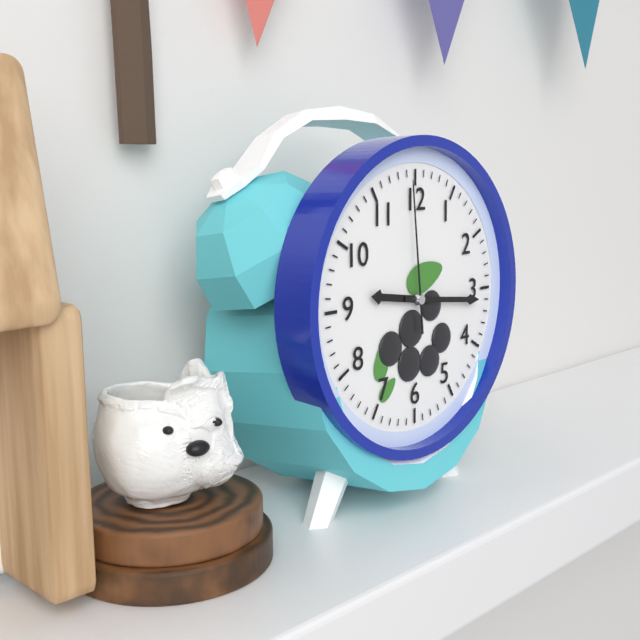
**9:16:59**
